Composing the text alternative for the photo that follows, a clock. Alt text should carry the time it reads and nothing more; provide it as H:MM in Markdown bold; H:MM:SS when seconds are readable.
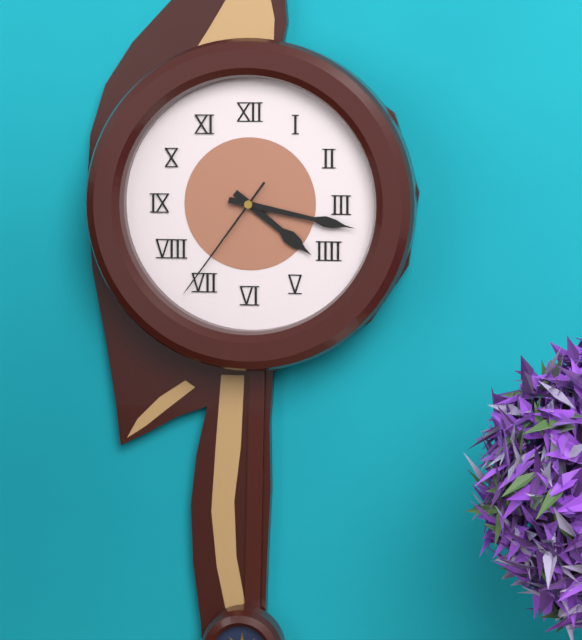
**4:17:36**
